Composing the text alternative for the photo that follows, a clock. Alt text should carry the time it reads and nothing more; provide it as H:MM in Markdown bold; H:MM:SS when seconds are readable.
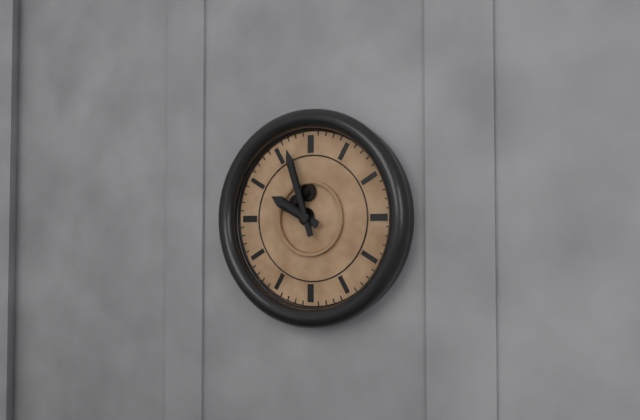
**9:57**
